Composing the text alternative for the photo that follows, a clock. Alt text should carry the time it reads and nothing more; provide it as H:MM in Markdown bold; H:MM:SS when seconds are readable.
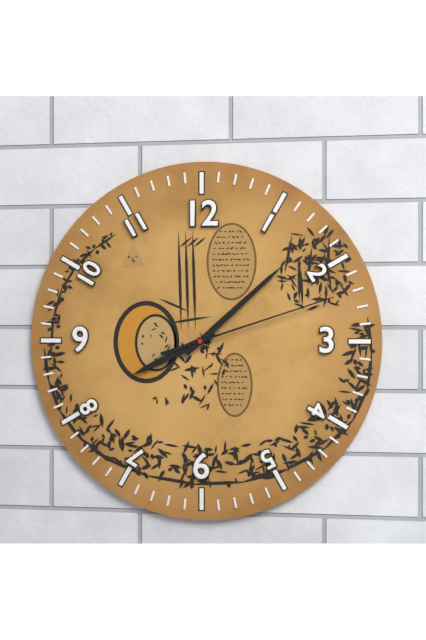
**8:08:12**
